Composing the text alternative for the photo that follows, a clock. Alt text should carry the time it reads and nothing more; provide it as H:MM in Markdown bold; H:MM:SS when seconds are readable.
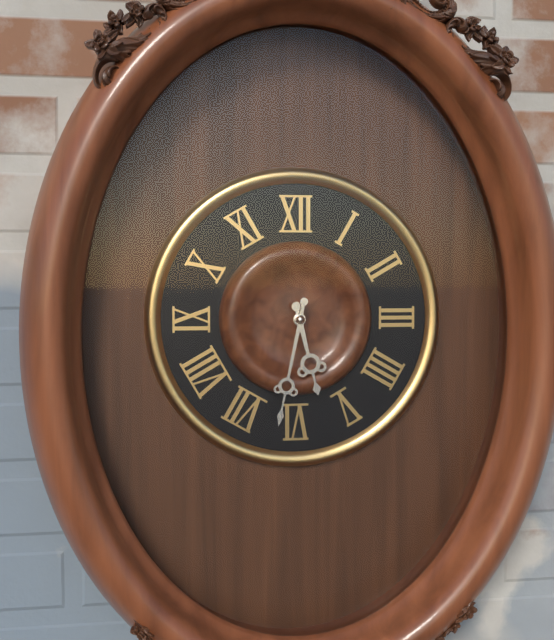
**5:32**
